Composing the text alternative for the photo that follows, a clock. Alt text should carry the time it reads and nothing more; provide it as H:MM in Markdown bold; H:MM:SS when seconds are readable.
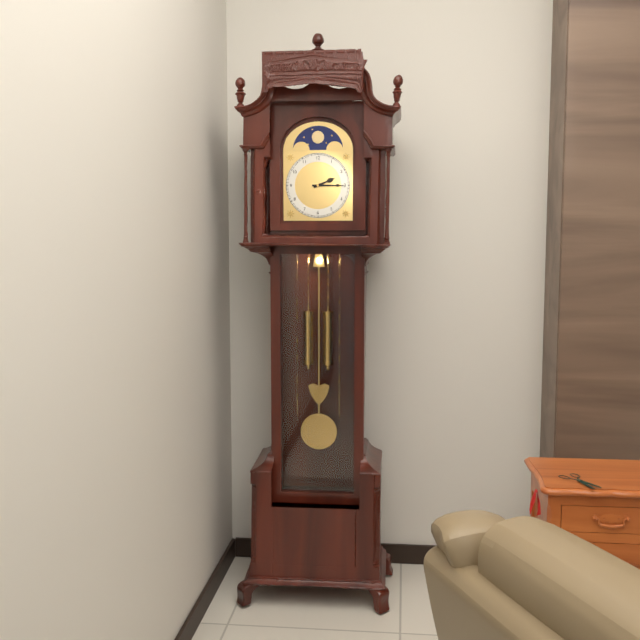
**2:15**
